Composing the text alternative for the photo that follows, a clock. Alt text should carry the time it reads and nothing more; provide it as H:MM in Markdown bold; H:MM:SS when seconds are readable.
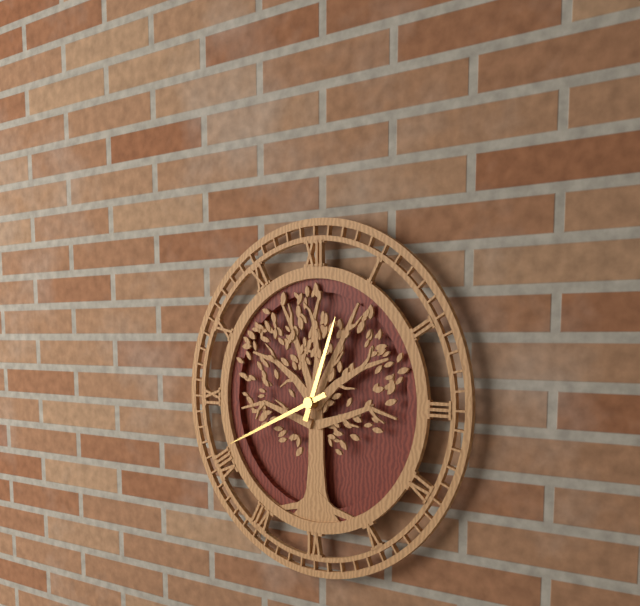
**12:41**
